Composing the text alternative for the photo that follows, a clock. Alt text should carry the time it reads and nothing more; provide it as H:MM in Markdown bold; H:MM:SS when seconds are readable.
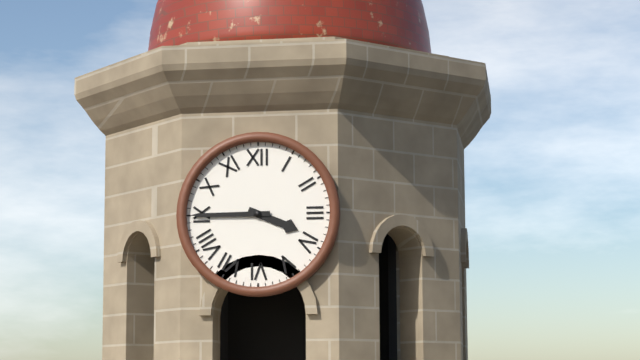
**3:45**
